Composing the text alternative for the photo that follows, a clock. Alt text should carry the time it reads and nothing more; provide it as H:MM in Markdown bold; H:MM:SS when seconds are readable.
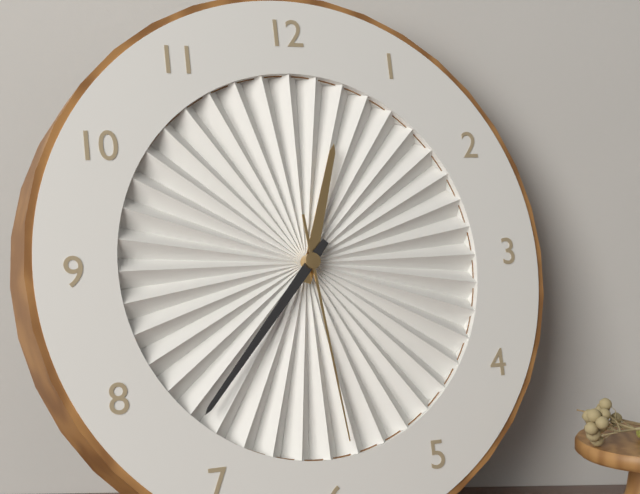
**12:37:29**
